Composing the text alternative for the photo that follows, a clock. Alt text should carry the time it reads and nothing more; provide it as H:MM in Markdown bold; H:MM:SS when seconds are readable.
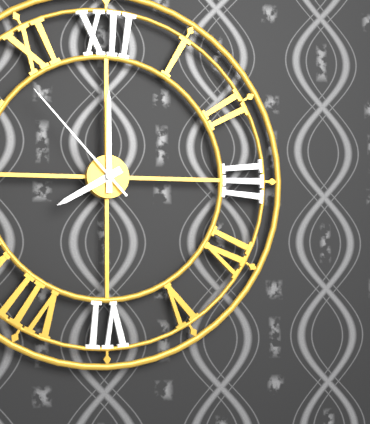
**8:00:53**
